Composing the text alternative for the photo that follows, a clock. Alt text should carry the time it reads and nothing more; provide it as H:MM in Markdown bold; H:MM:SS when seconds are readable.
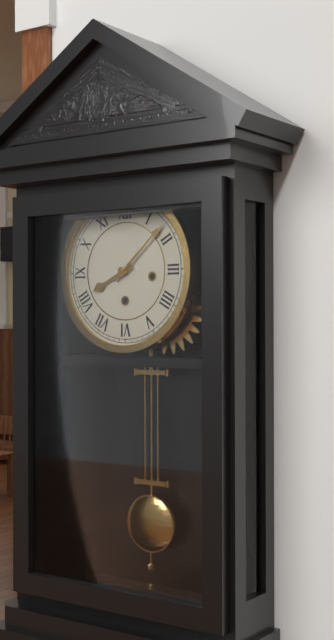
**8:08**
